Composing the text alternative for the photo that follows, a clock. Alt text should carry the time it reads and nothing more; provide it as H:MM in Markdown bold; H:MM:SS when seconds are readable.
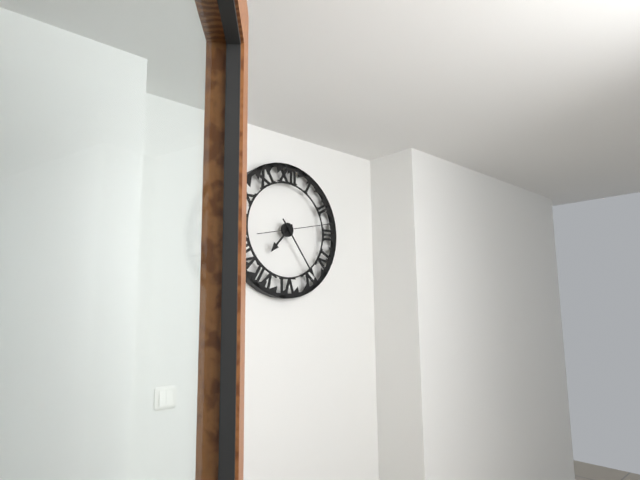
**7:24:13**
